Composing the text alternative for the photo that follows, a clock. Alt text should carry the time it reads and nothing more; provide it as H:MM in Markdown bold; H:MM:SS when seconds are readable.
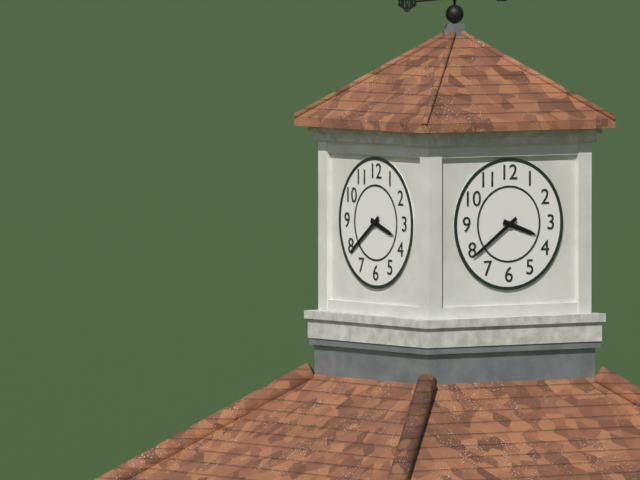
**3:39**
